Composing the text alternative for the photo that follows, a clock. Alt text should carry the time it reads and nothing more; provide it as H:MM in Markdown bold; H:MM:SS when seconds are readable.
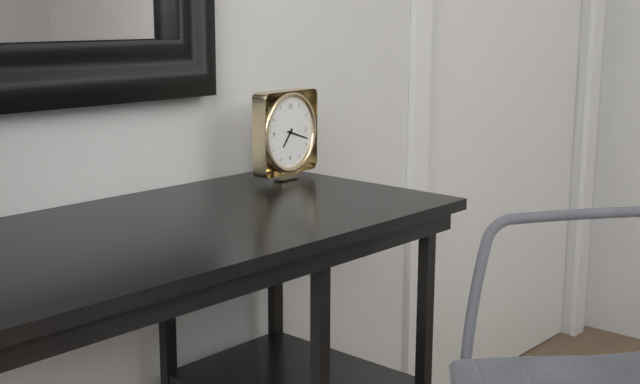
**7:18**
